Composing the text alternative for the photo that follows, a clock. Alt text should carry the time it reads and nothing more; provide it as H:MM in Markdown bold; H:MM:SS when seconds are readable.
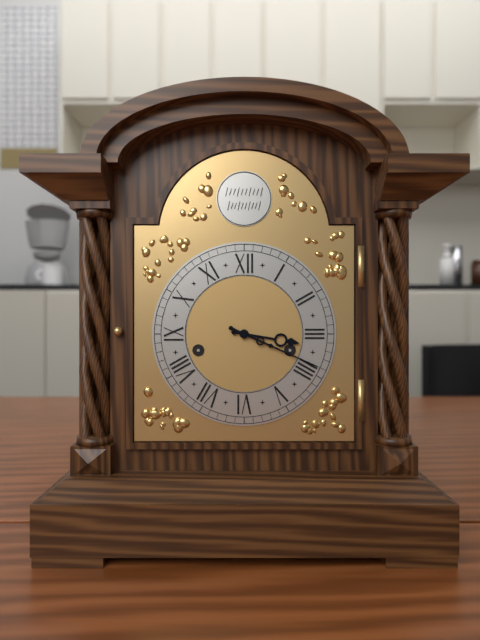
**3:19**
